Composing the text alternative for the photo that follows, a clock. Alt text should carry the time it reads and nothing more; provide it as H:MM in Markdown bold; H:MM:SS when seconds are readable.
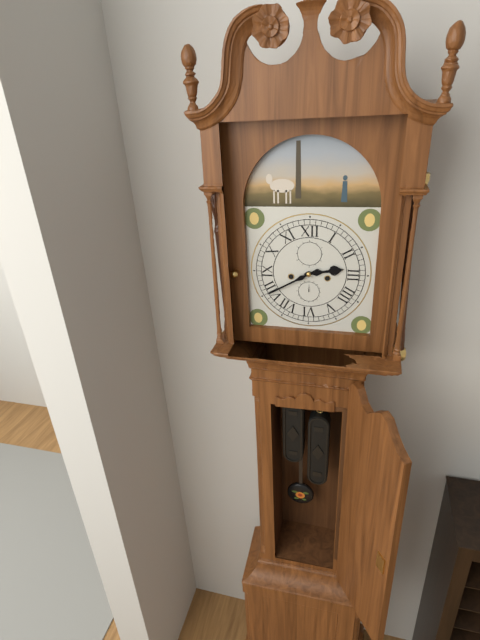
**2:40**
